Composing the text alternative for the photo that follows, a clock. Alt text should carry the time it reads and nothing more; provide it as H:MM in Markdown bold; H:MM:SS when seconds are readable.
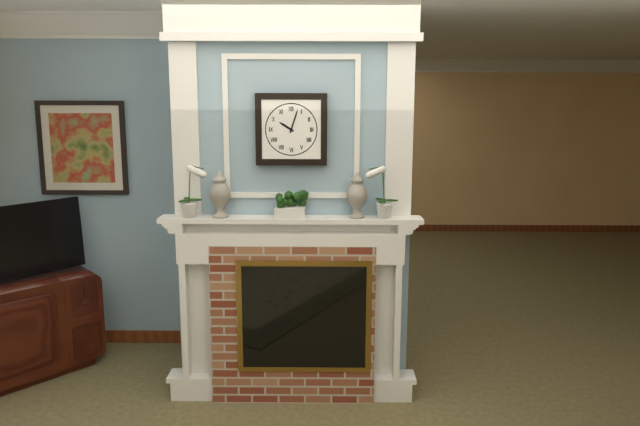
**10:03**
